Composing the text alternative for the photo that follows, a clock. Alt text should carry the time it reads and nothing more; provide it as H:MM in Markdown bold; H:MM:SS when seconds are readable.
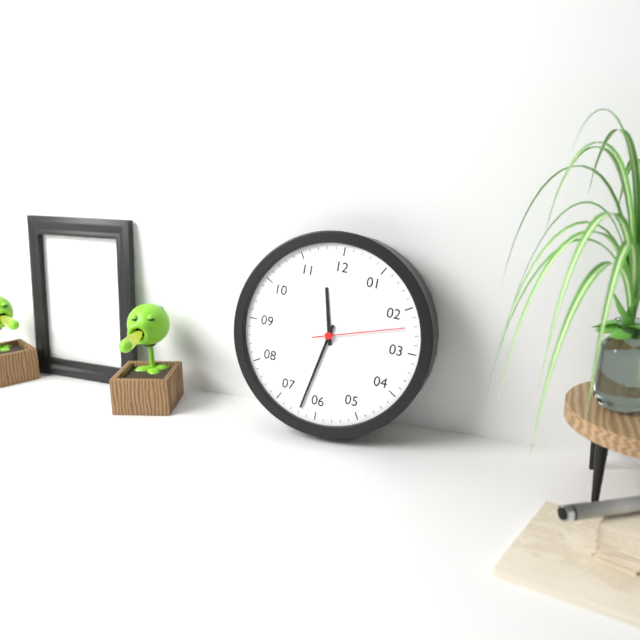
**11:32:12**
